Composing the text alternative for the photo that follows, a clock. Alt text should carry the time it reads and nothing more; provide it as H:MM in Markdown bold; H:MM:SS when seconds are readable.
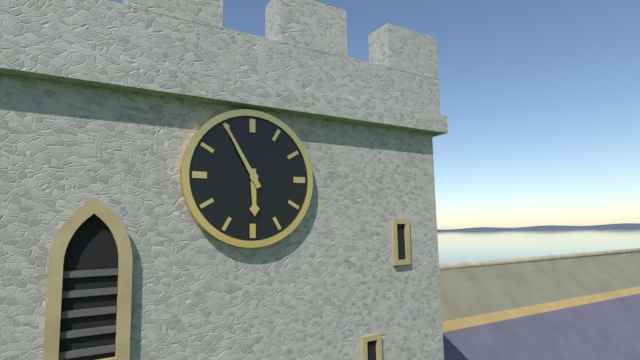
**5:55**
